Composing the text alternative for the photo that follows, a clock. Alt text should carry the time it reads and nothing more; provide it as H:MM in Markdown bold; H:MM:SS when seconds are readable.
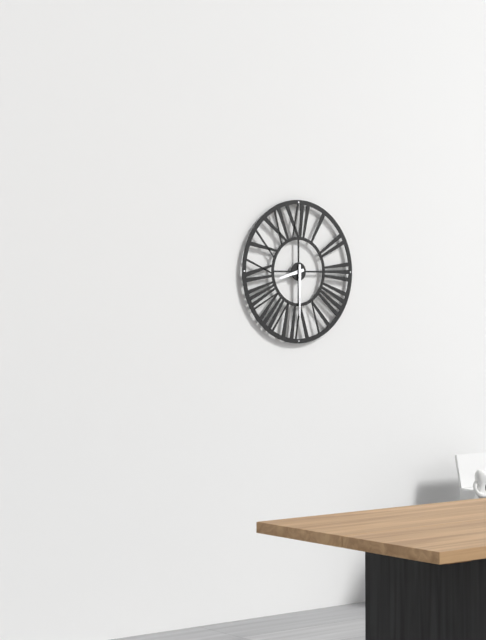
**8:30**
